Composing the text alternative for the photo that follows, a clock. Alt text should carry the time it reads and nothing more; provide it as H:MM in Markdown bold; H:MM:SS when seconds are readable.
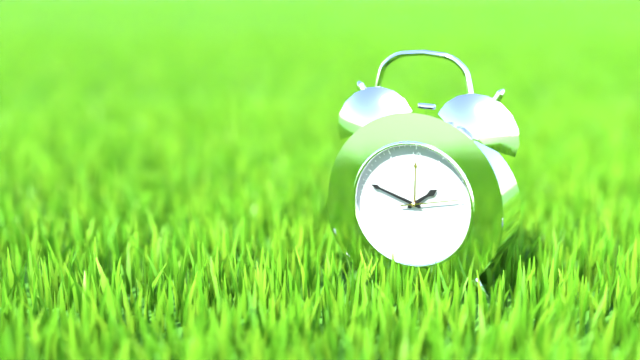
**1:48:13**
